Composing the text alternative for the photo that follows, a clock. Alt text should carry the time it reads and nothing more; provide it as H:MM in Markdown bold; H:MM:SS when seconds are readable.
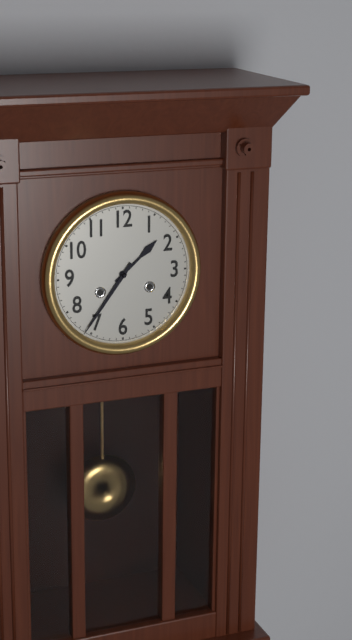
**1:36**
